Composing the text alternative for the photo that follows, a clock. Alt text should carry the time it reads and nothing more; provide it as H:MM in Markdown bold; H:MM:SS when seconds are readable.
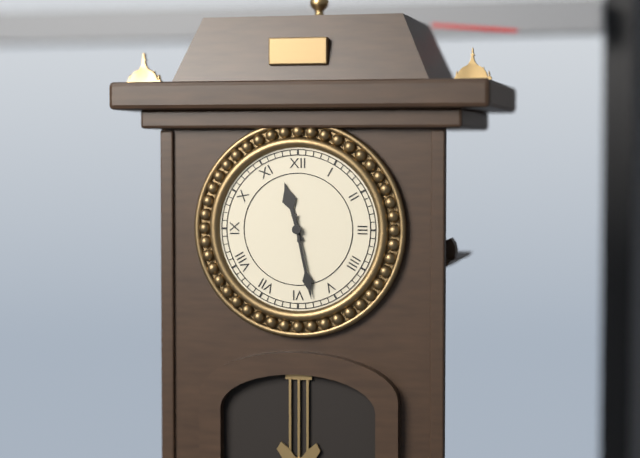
**11:28**
